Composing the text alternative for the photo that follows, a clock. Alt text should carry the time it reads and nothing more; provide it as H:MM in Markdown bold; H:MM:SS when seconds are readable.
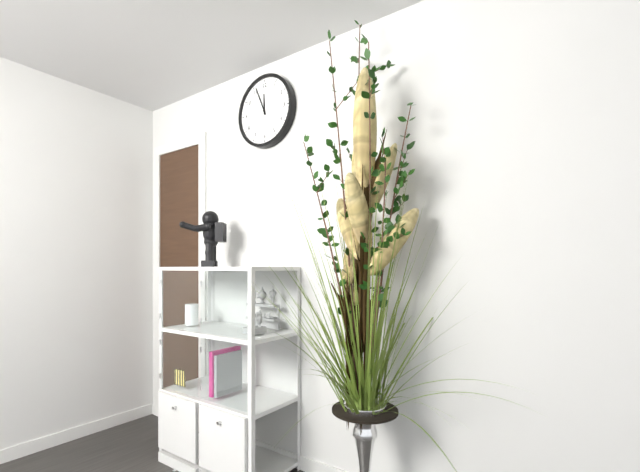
**11:56**
